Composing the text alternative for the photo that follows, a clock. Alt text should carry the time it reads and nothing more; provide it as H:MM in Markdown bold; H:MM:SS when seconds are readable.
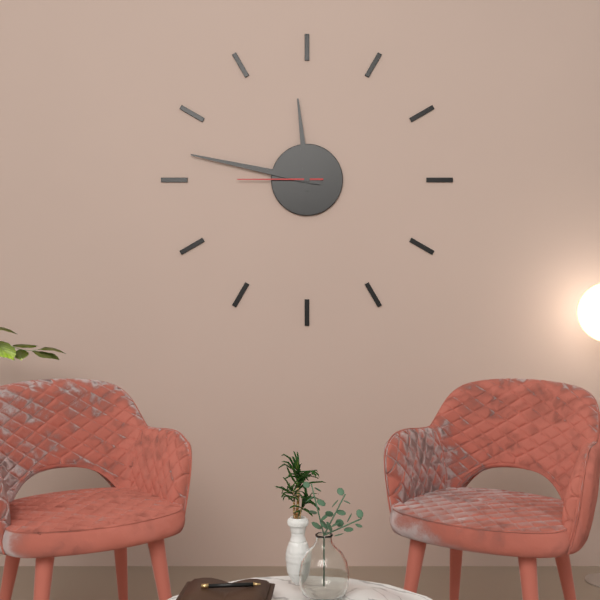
**11:47:45**
